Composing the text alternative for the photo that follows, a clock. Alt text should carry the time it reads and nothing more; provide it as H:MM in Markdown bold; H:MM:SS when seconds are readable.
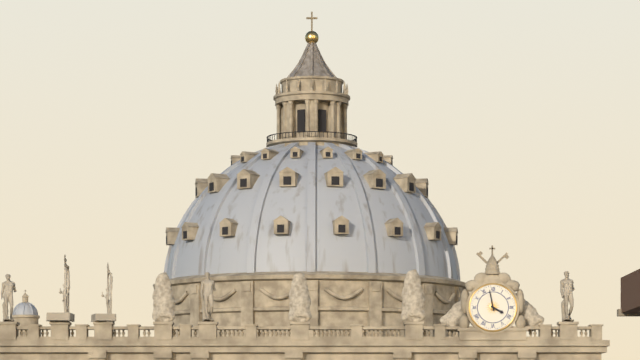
**3:58**
